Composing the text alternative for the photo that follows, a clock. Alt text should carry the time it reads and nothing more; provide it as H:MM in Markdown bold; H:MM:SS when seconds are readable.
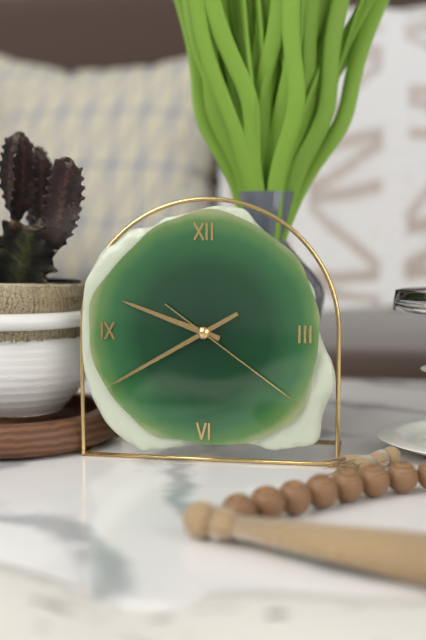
**9:40:21**
